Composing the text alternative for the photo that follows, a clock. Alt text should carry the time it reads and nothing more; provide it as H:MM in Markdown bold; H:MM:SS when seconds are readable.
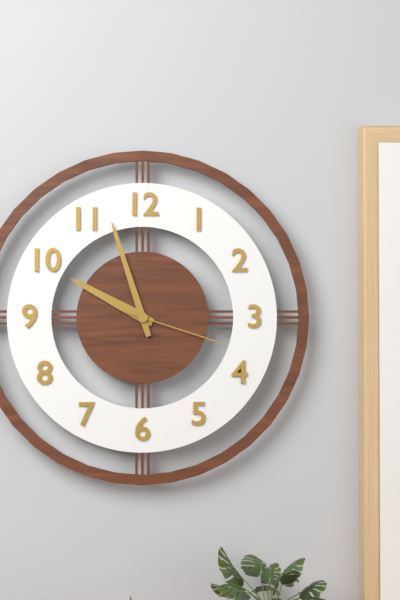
**9:57:18**
